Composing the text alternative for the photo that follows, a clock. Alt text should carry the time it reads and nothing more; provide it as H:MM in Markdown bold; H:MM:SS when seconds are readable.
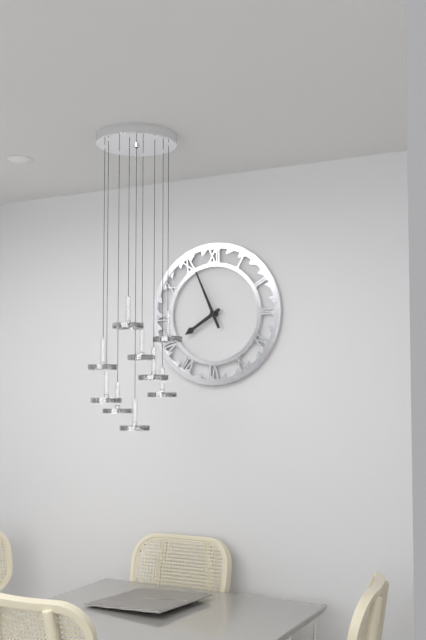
**7:56**
